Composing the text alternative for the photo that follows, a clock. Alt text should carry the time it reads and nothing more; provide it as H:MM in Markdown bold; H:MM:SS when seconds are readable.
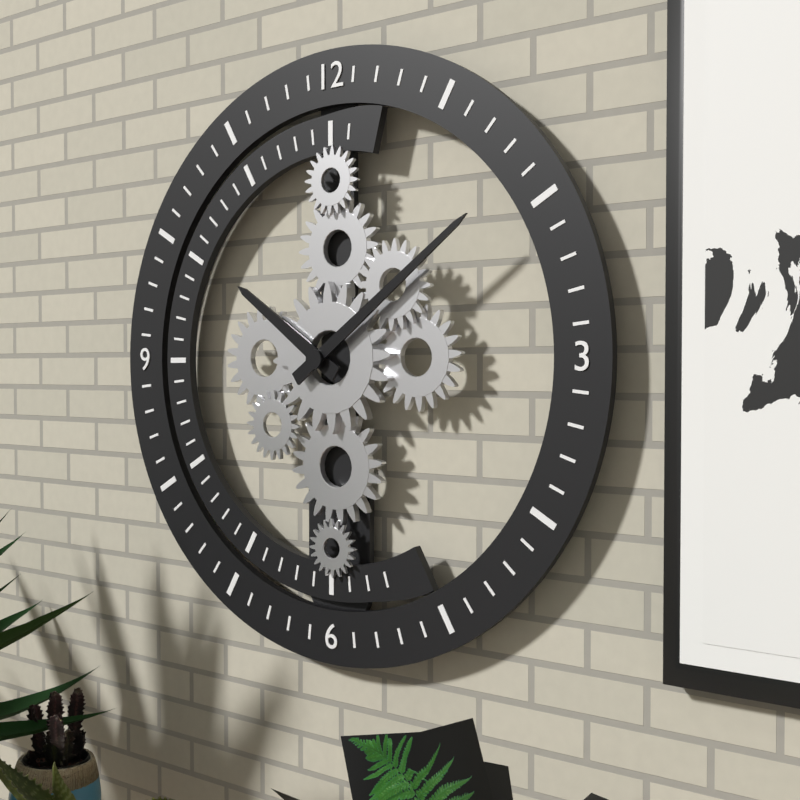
**10:09**
